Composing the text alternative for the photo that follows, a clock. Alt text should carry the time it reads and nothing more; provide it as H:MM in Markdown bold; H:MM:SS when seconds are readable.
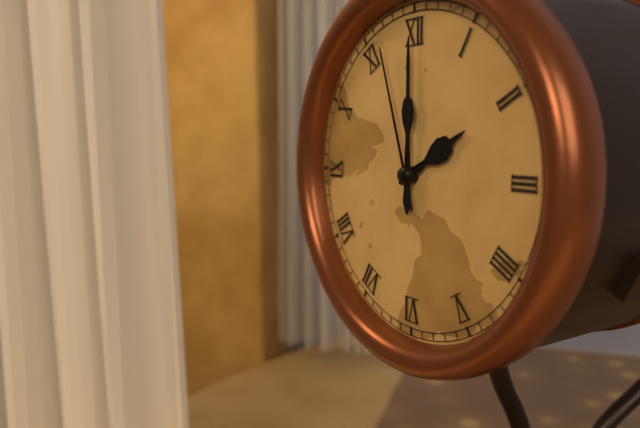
**2:00:57**
